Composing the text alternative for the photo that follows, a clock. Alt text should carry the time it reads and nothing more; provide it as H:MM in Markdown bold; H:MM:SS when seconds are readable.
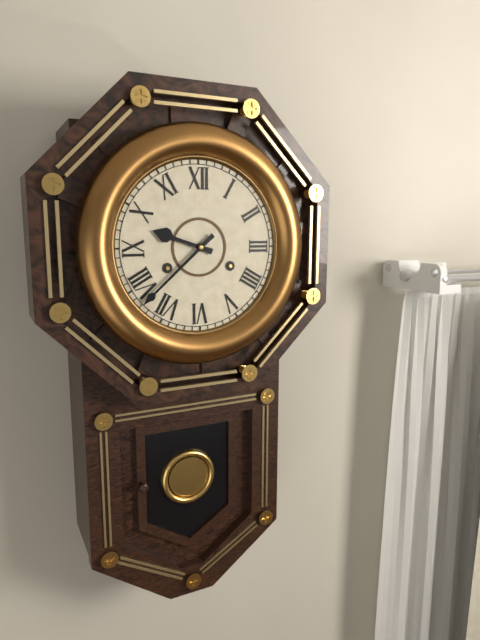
**9:38**
